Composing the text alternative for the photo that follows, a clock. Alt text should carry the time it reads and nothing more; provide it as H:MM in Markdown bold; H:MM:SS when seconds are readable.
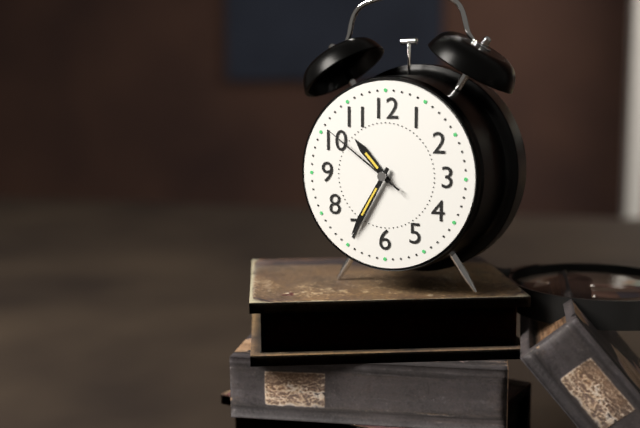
**10:35:51**
